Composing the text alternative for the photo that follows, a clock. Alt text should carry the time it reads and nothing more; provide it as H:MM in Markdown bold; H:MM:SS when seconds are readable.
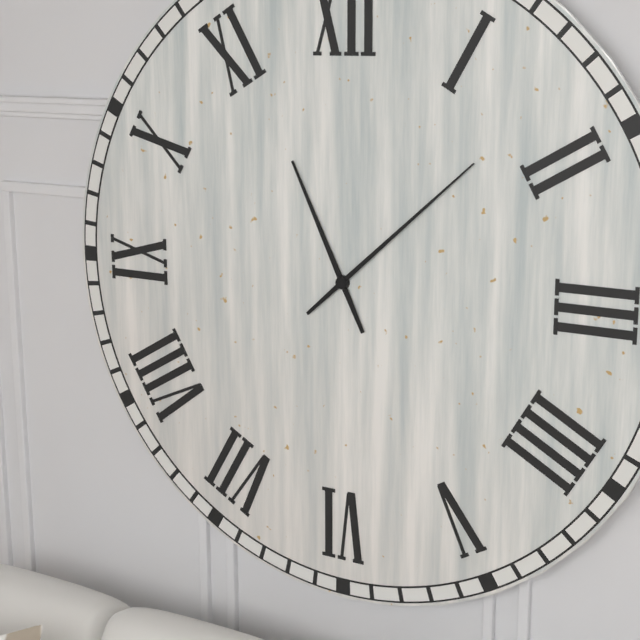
**11:08**
